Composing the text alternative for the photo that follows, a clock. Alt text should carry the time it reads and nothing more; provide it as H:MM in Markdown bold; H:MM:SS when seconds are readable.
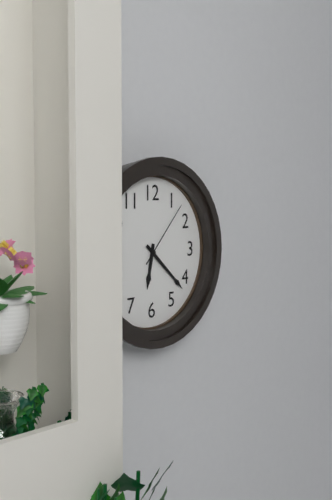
**6:22:07**
